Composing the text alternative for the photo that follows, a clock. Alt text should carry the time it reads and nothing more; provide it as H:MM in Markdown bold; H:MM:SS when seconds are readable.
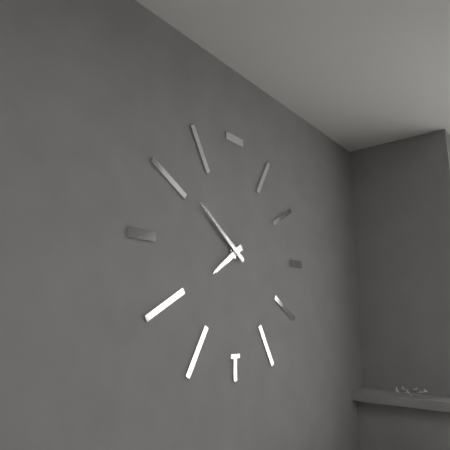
**7:51**
